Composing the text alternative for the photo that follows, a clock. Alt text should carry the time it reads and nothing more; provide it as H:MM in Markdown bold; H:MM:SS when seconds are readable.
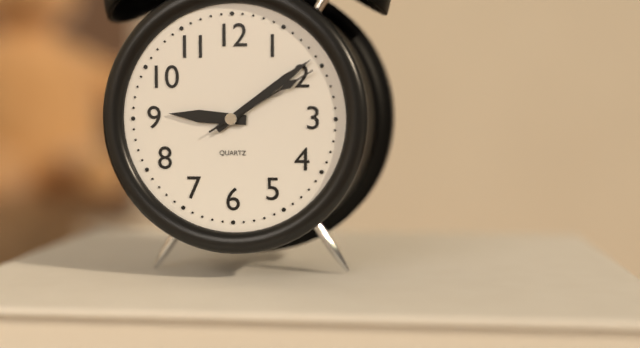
**9:09:10**
